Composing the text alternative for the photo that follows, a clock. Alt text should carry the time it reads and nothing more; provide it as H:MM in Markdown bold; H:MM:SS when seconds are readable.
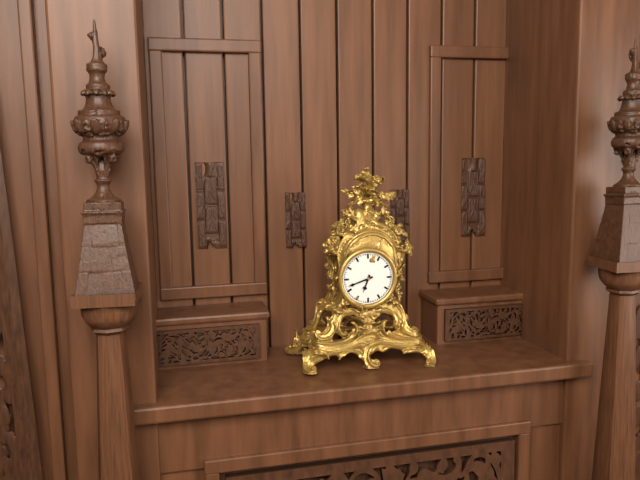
**6:42**
